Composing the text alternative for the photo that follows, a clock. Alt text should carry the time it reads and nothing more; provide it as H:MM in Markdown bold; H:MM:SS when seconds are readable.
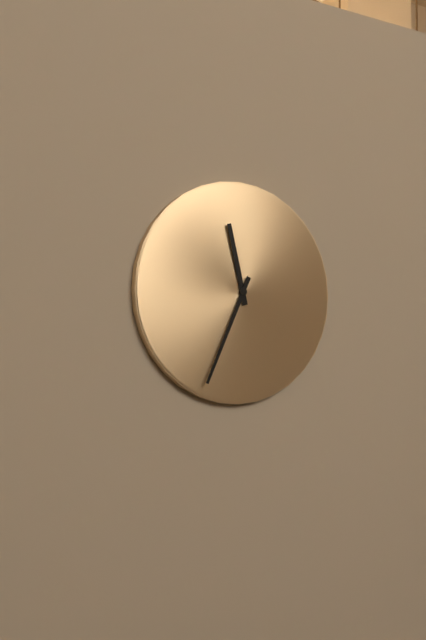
**11:34**
